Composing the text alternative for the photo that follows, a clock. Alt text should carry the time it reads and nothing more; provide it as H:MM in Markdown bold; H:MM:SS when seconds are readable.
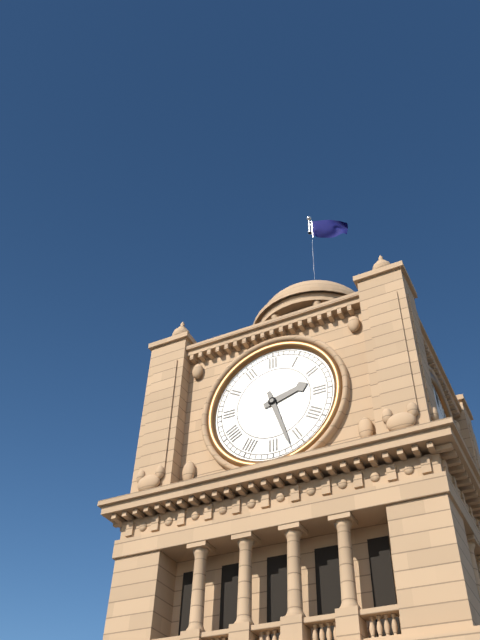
**2:27**
